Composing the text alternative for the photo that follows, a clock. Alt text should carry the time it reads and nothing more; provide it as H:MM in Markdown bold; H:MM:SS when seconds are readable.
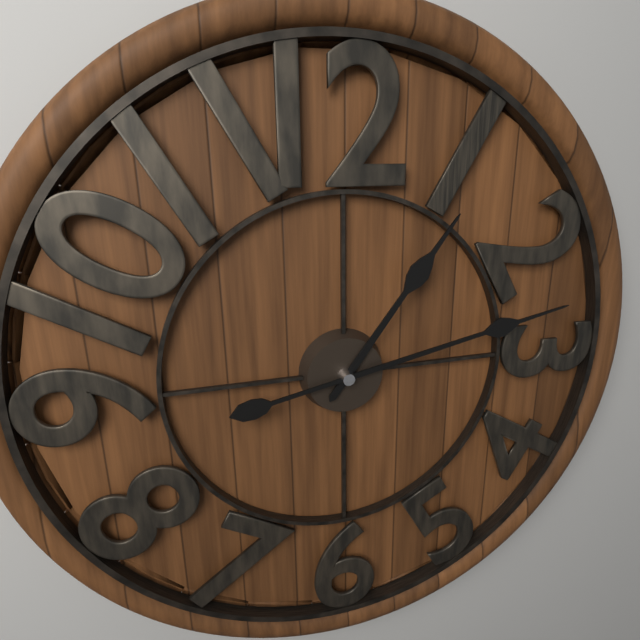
**1:13**
